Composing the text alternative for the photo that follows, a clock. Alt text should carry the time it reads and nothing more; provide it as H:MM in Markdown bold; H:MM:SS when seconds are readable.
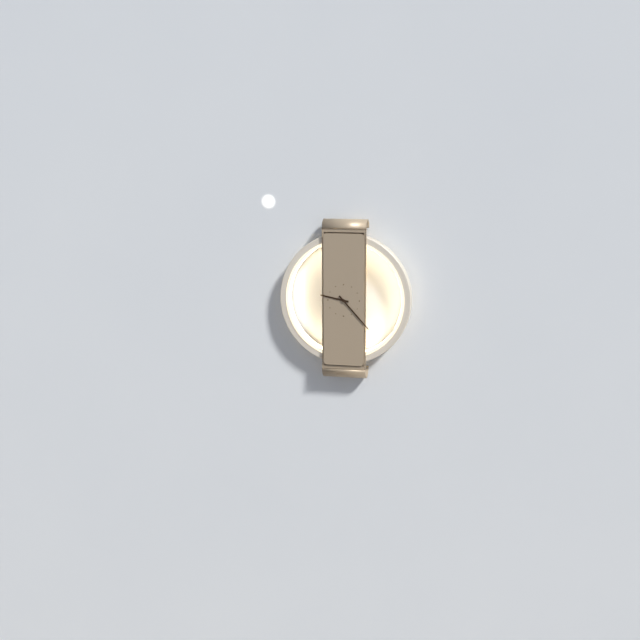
**9:23**
